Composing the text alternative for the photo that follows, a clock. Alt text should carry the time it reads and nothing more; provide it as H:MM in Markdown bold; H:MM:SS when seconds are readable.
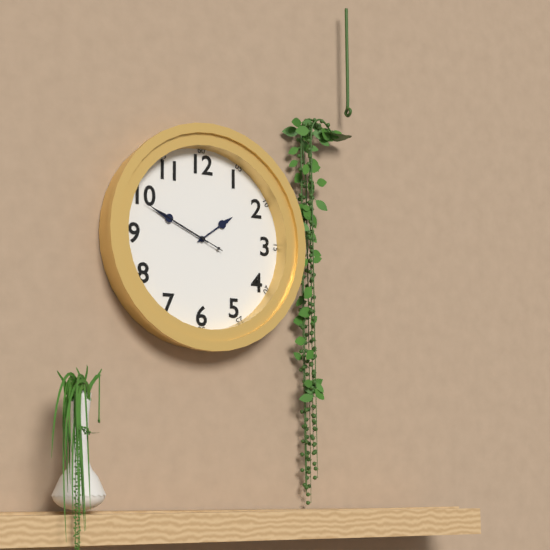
**1:49:49**
